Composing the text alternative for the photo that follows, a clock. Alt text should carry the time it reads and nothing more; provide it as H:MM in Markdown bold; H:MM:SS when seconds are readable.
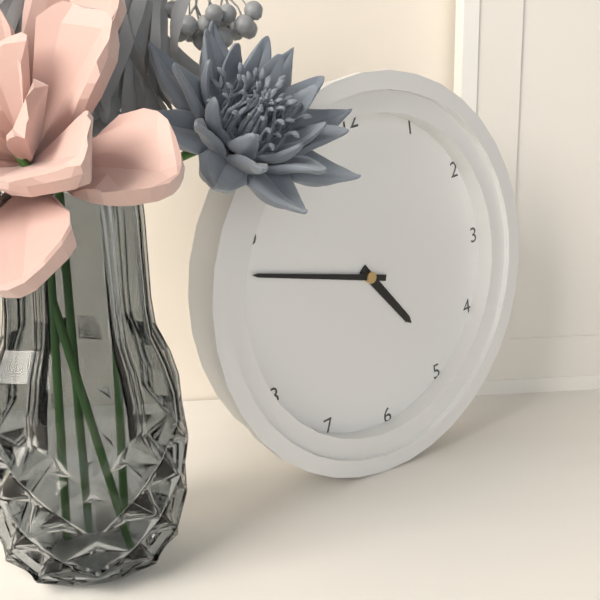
**4:48**
